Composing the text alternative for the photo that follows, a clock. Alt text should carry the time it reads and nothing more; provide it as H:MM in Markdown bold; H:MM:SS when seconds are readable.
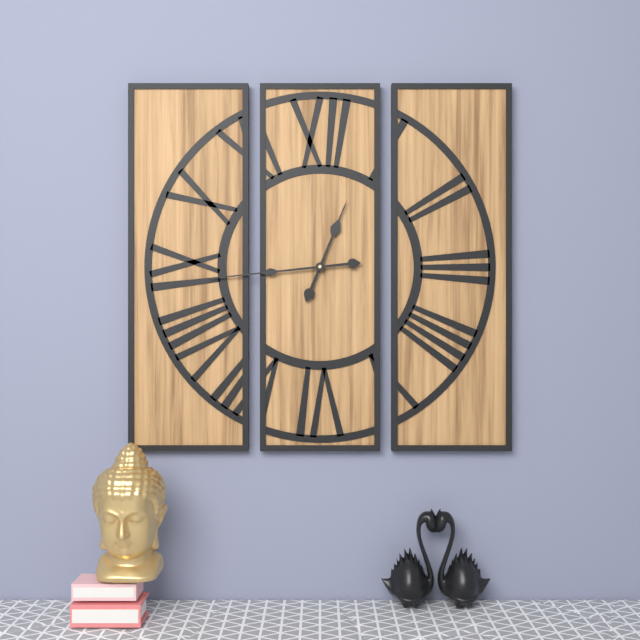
**12:44**
